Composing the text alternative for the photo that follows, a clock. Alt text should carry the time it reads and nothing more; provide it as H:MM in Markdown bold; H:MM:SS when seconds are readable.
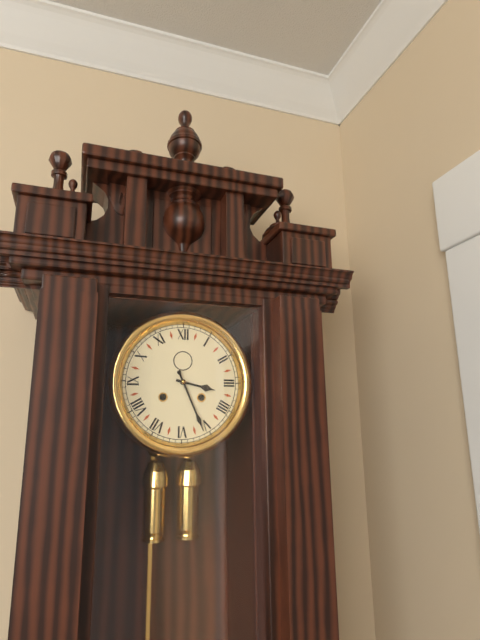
**3:26**
